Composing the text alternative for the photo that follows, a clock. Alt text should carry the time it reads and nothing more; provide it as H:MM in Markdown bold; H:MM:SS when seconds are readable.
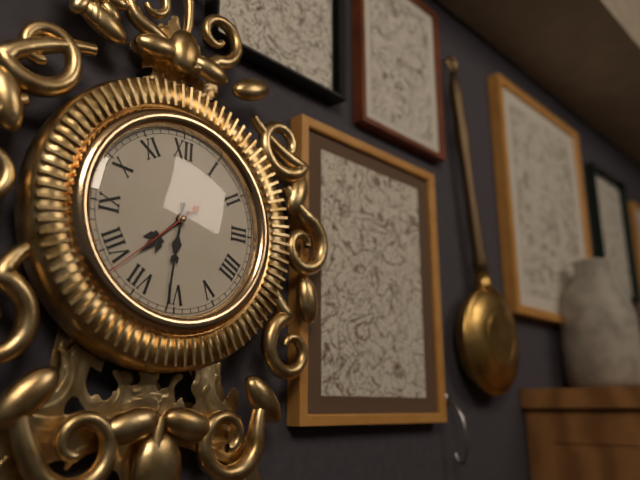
**7:31:38**
